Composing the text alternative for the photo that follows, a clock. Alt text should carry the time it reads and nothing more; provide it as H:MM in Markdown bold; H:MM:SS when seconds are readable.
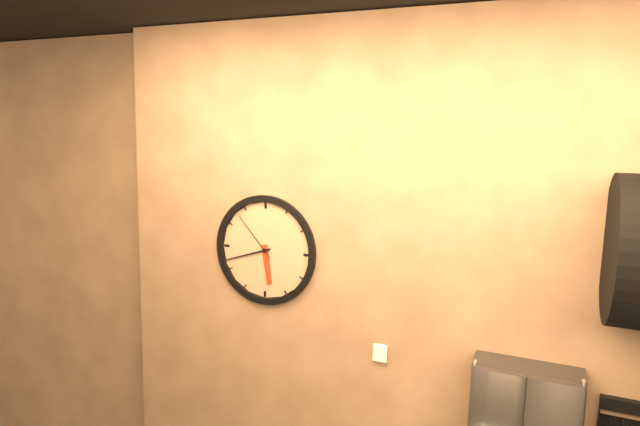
**5:42:53**
